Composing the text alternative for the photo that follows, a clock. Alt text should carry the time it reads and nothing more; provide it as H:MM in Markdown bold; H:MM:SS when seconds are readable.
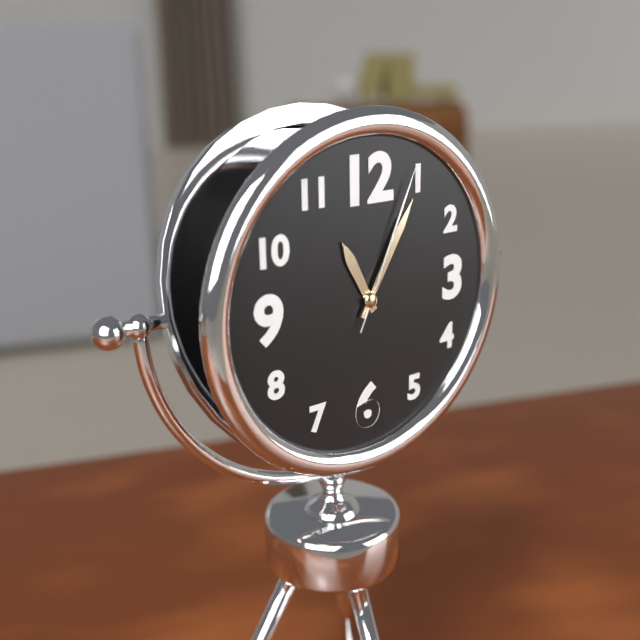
**11:05:04**
